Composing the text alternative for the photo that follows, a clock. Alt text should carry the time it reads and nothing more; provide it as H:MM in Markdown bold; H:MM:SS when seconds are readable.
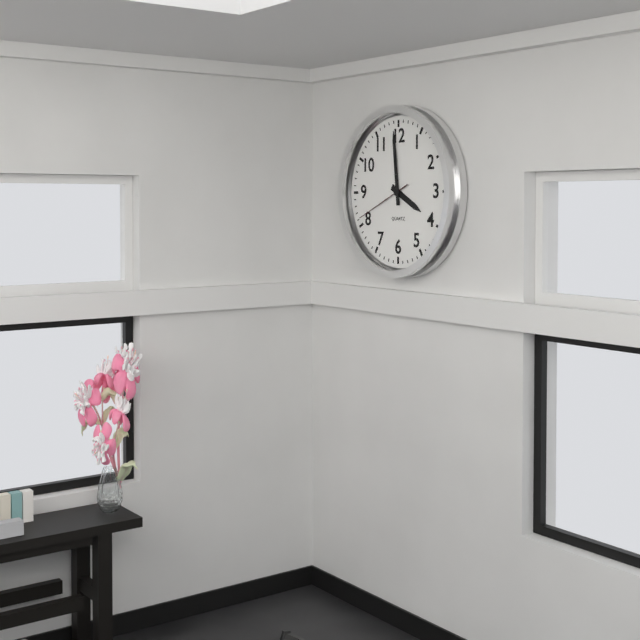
**3:59:41**
